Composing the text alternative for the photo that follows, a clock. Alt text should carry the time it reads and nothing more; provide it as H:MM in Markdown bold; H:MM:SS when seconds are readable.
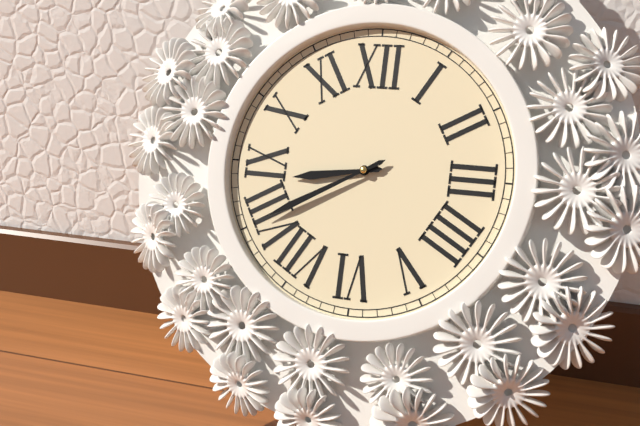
**8:40**
